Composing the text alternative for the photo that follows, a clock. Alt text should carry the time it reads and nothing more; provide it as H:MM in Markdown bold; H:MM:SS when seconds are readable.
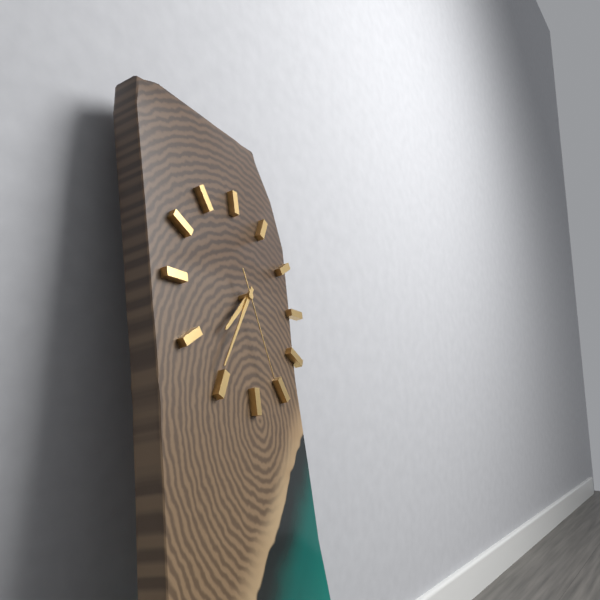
**7:36:27**
